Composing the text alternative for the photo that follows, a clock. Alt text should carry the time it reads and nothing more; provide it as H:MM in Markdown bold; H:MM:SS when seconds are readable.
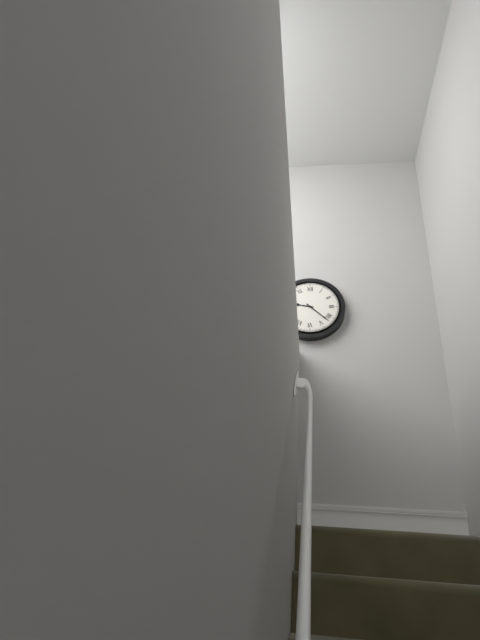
**9:22**
